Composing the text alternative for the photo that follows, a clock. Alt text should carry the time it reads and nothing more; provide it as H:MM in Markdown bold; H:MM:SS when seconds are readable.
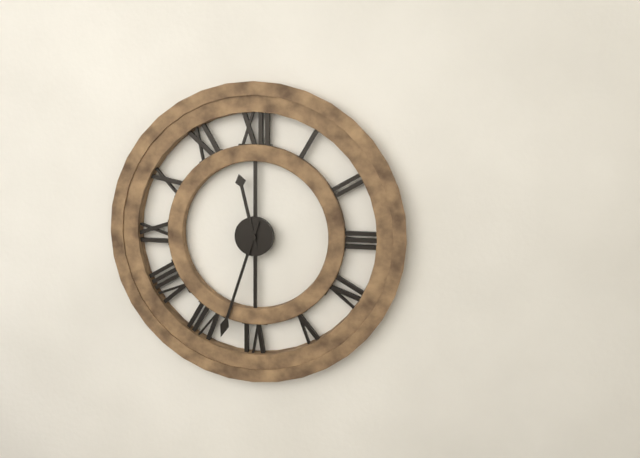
**11:33**
